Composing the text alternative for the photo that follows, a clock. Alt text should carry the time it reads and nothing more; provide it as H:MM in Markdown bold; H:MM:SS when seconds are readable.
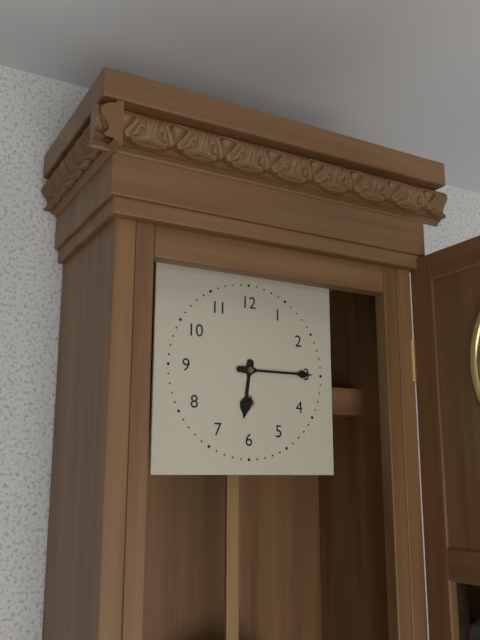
**6:15**
